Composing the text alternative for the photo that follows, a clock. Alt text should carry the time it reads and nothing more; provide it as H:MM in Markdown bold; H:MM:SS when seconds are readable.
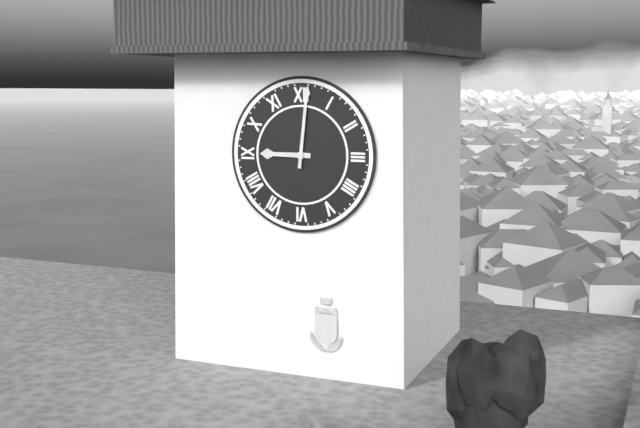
**9:01**
